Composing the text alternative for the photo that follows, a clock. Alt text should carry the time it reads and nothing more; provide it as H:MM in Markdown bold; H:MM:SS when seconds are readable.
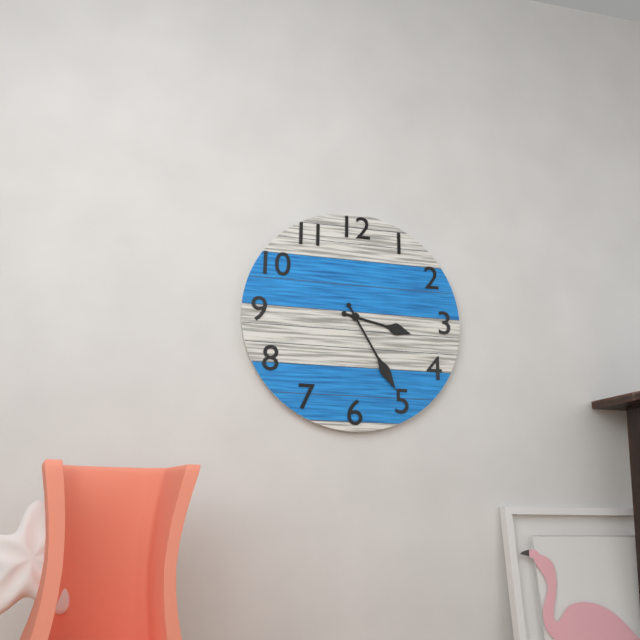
**3:25**
